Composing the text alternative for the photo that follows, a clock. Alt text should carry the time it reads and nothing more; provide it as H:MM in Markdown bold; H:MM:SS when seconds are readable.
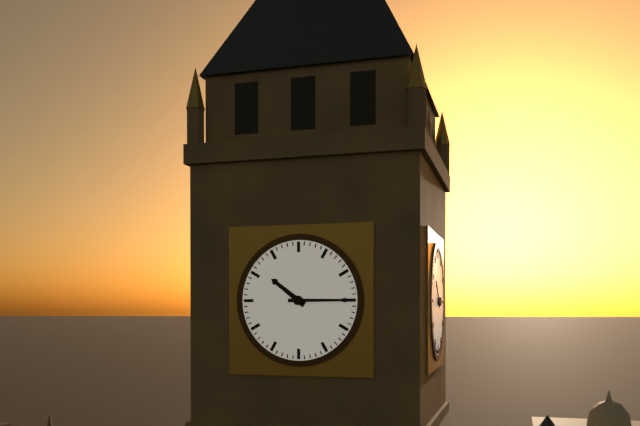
**10:15**
